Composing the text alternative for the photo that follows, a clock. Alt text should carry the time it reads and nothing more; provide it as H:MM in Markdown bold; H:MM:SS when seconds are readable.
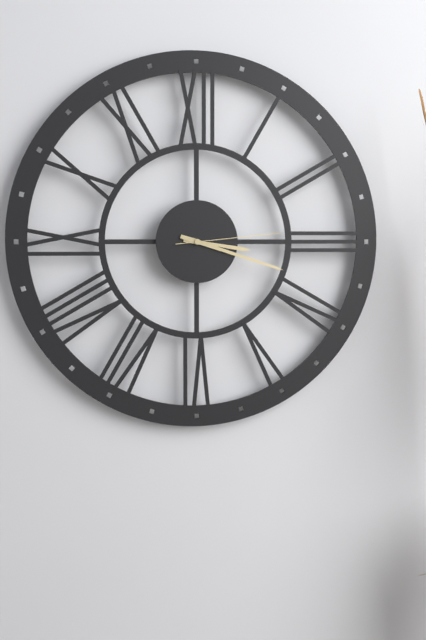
**3:18:14**
